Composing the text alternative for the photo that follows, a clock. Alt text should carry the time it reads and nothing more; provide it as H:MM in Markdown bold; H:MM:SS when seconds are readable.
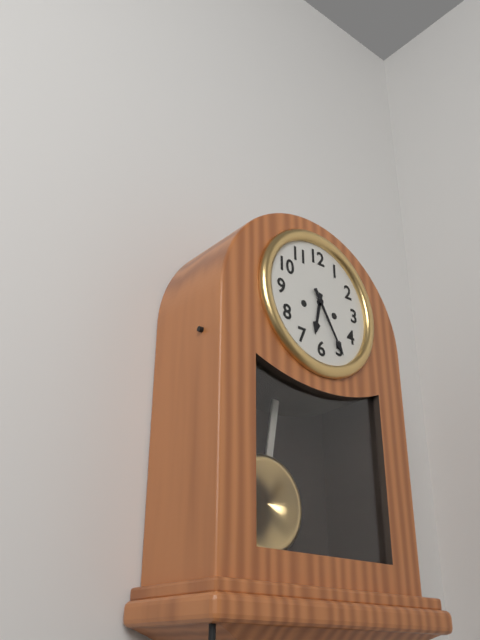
**6:25**
